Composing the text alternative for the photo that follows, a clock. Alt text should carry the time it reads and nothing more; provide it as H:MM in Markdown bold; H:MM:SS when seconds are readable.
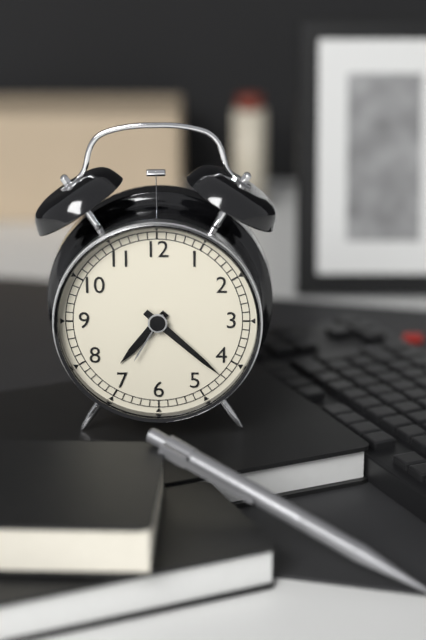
**7:22**
